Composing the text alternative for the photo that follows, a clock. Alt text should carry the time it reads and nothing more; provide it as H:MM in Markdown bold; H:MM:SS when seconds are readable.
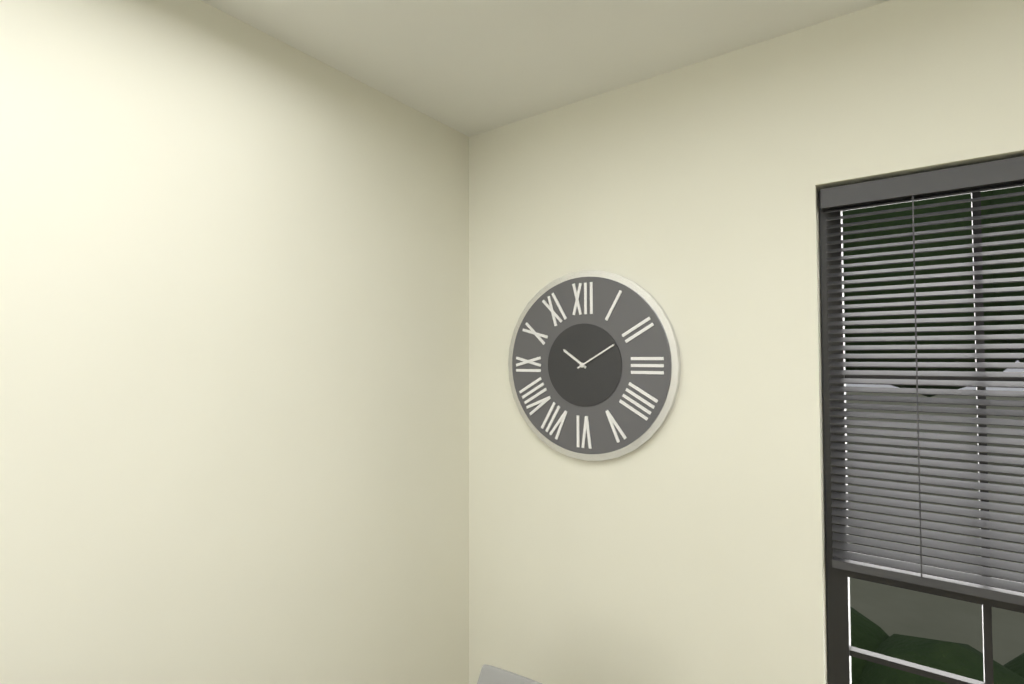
**10:10**
